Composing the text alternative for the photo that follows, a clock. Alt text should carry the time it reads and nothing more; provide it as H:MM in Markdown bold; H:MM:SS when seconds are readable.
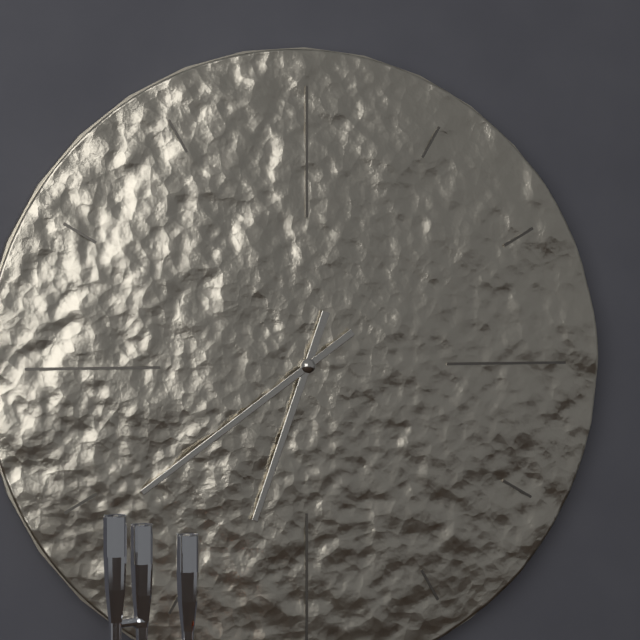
**6:39**
